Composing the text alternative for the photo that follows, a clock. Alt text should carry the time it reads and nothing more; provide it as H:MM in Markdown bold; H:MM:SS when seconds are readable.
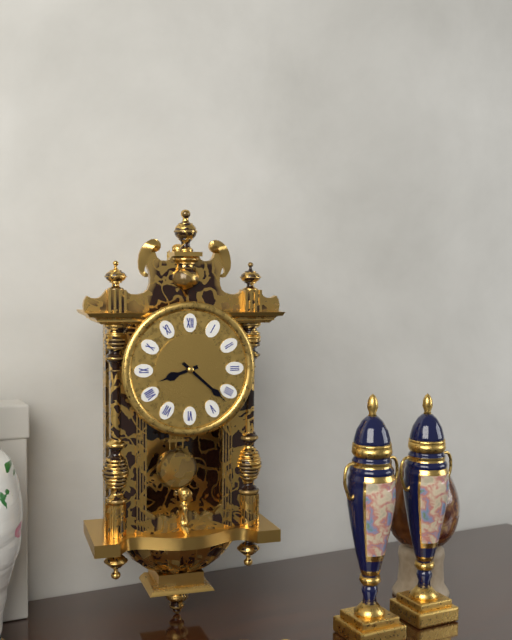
**8:22**
